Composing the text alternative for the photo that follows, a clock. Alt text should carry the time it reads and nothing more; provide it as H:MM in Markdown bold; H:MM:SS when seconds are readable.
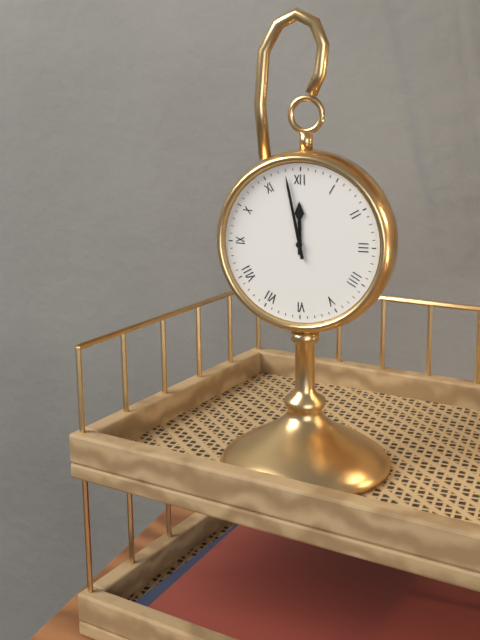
**11:58**
